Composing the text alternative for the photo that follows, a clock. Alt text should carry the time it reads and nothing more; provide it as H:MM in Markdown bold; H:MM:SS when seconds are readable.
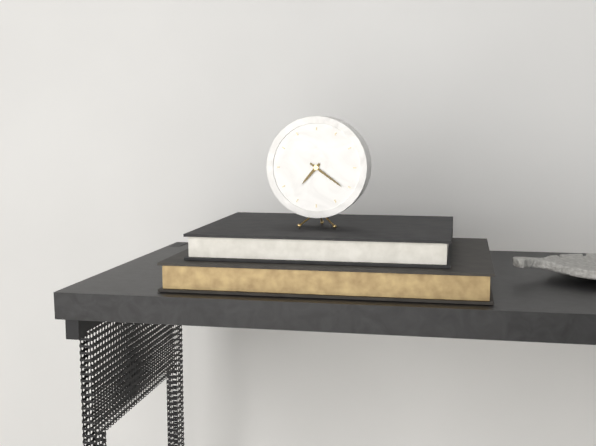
**7:21**
